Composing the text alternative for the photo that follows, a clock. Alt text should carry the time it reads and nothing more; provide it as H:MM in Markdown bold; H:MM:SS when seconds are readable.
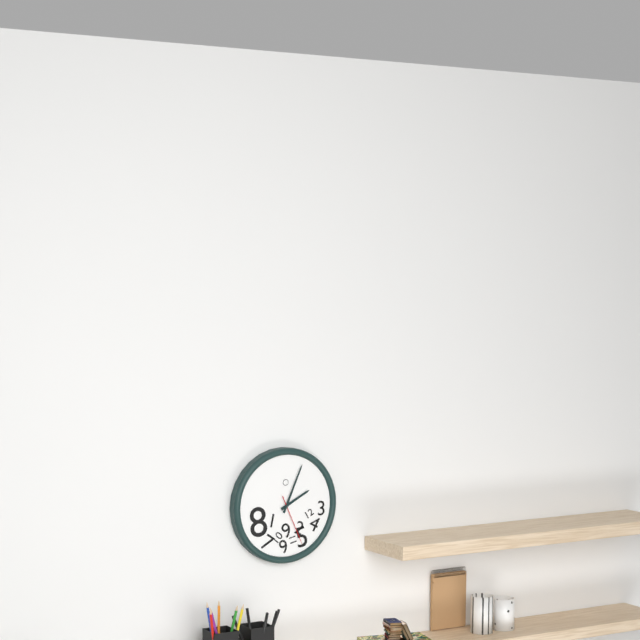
**2:04:26**
